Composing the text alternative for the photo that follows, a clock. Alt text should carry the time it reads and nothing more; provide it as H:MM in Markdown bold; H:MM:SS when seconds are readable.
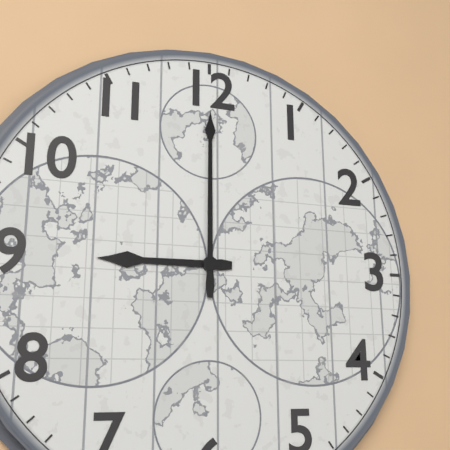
**9:00**
